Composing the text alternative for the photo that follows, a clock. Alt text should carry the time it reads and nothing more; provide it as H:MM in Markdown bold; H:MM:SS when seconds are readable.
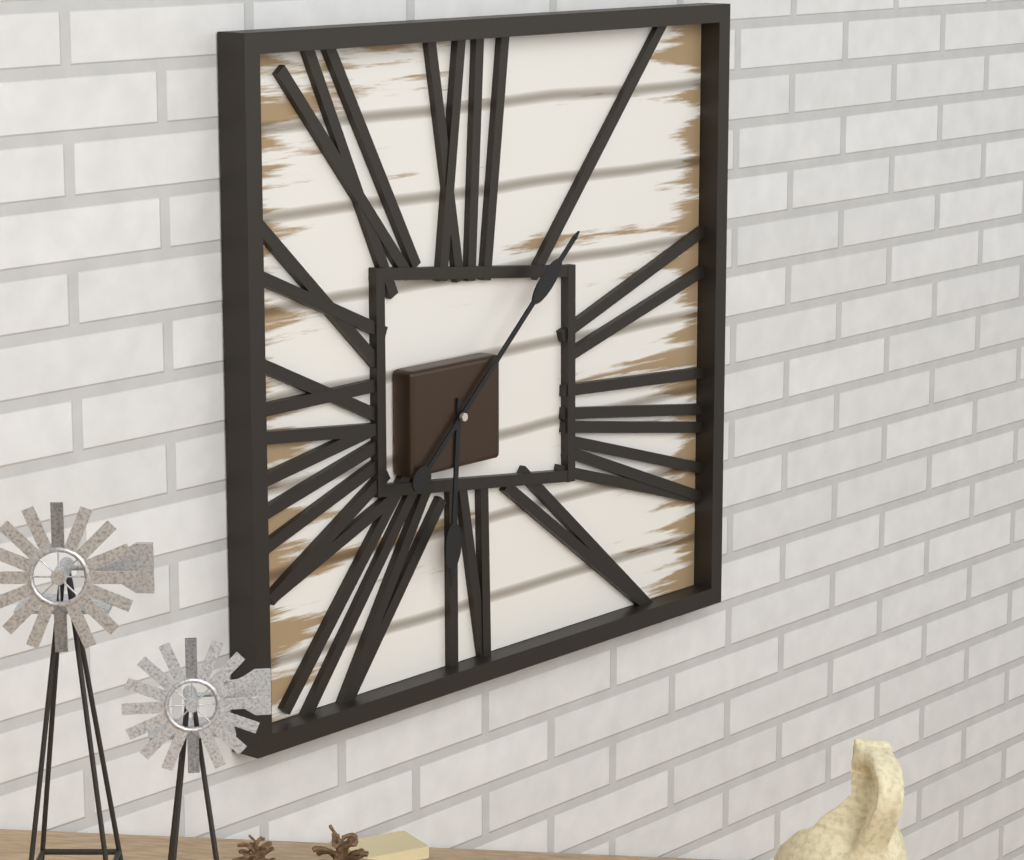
**6:08**
